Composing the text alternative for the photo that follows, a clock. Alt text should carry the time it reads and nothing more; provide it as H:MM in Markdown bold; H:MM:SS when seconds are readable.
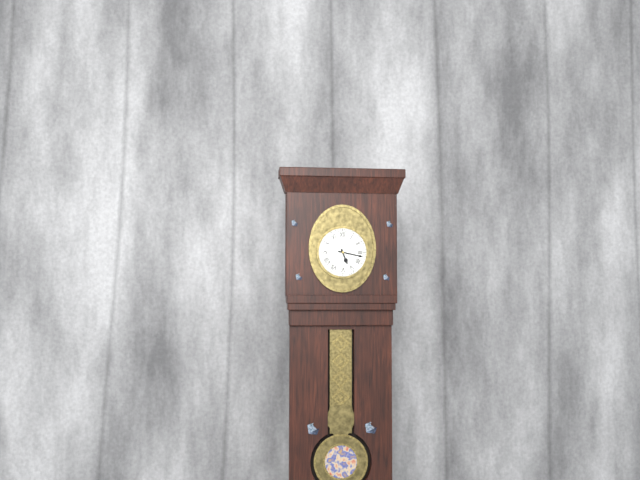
**5:17**
